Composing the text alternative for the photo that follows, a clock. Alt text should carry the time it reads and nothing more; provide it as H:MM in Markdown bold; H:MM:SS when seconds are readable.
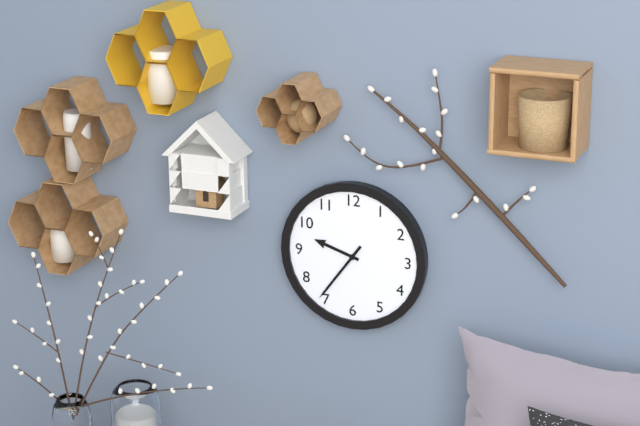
**9:36**
